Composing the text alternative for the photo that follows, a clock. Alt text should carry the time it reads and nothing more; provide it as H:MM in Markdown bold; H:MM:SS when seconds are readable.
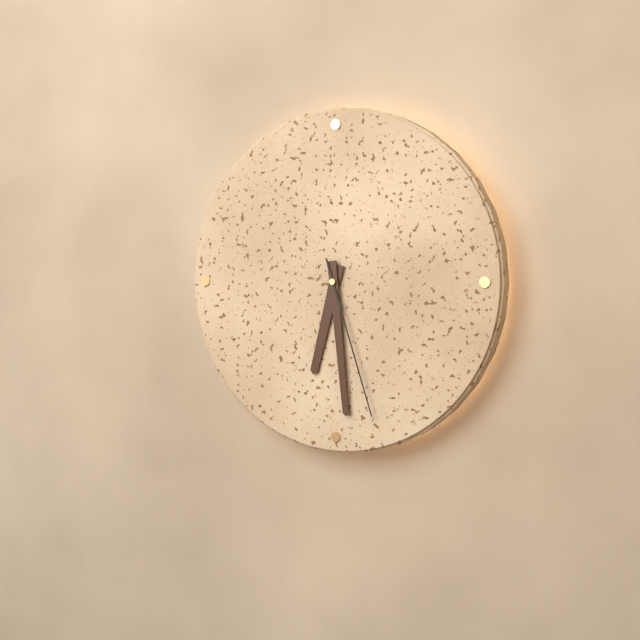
**6:29:27**
